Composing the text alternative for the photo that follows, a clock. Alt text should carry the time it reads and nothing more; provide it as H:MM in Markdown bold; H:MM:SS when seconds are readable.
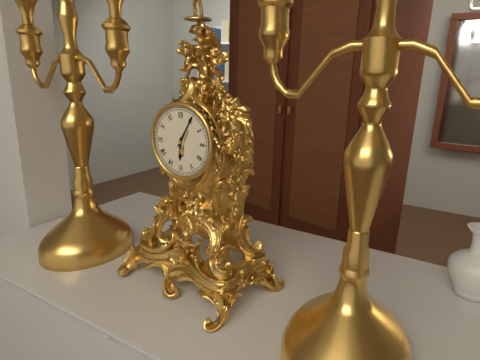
**6:05**
